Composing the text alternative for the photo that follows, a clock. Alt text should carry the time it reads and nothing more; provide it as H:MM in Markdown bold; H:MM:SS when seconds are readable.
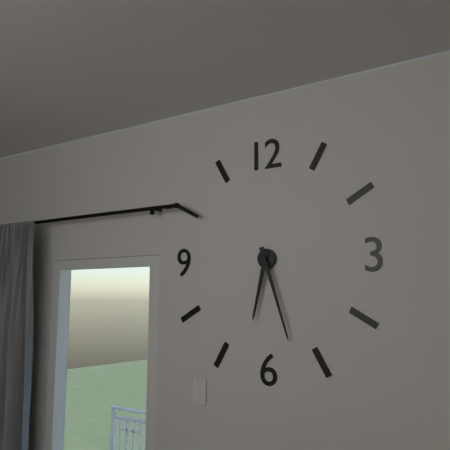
**6:27**
